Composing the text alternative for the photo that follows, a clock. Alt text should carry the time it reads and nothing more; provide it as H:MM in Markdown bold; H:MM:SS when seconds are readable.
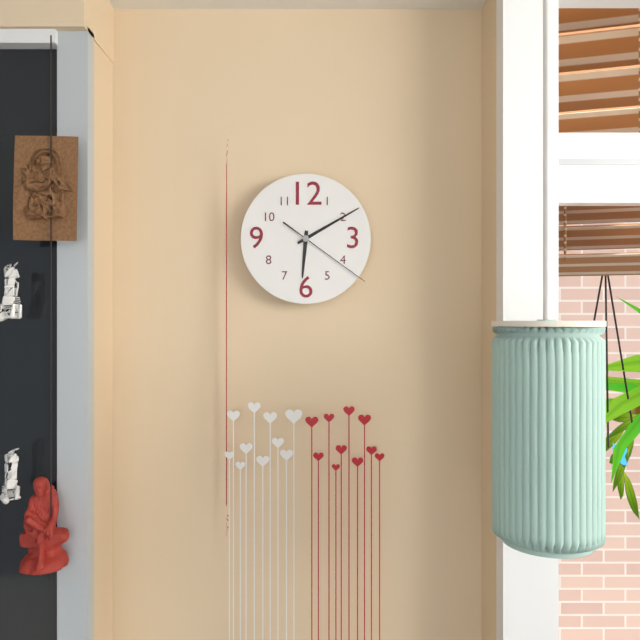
**6:10:21**
